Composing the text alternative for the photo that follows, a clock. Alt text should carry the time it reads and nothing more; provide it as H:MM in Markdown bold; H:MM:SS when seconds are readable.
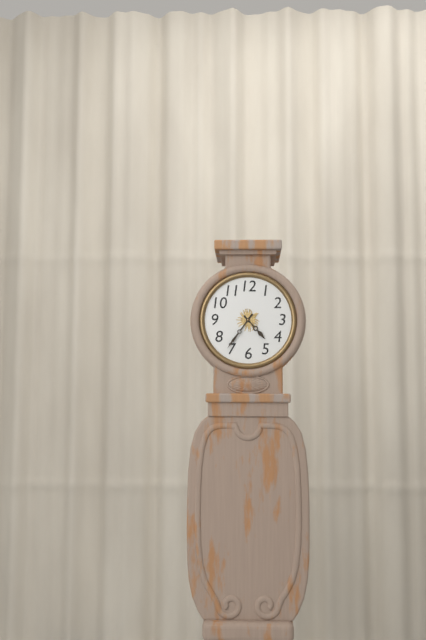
**4:36**
